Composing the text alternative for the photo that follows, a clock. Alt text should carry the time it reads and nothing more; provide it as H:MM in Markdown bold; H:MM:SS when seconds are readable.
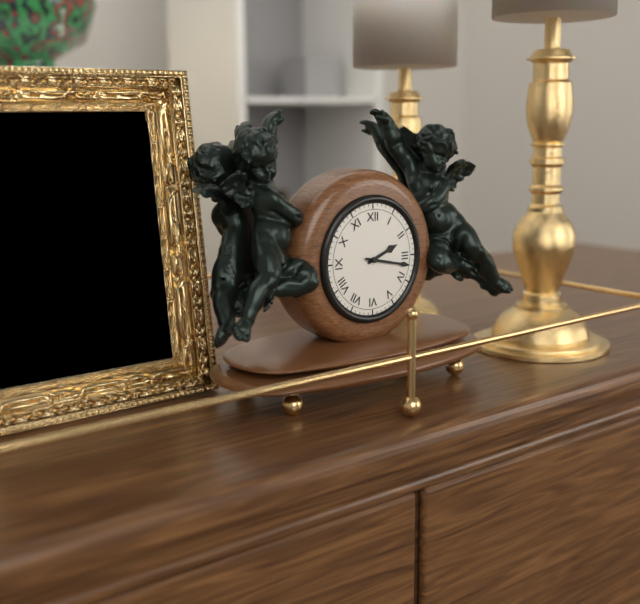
**2:17**
